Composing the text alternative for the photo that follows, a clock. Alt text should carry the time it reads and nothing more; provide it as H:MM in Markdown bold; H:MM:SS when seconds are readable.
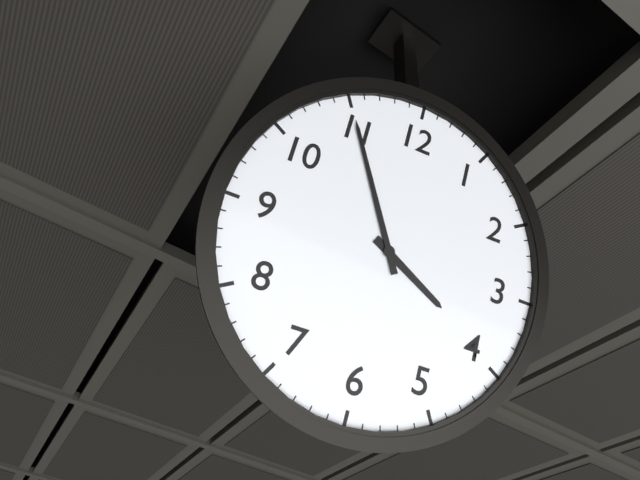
**3:55**
